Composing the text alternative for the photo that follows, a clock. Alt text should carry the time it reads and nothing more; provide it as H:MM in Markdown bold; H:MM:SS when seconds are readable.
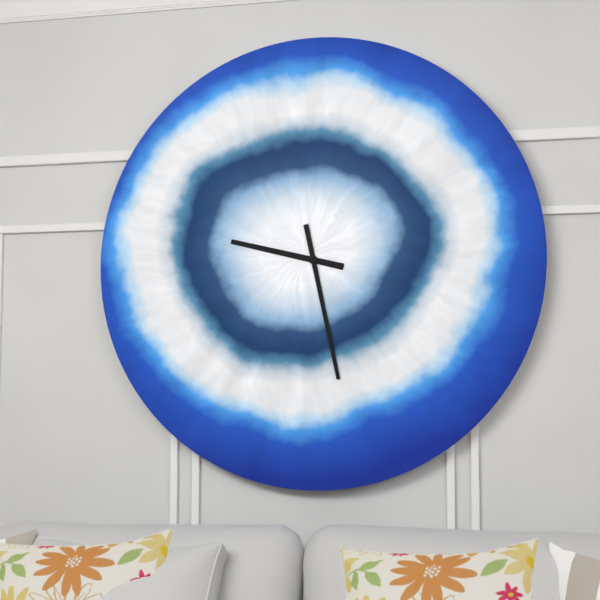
**9:28**
